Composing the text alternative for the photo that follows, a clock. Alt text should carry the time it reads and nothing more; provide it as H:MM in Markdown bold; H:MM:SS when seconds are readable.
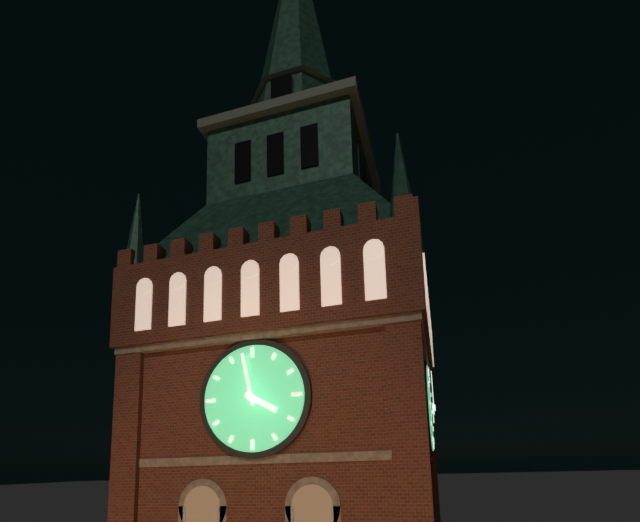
**3:58**
